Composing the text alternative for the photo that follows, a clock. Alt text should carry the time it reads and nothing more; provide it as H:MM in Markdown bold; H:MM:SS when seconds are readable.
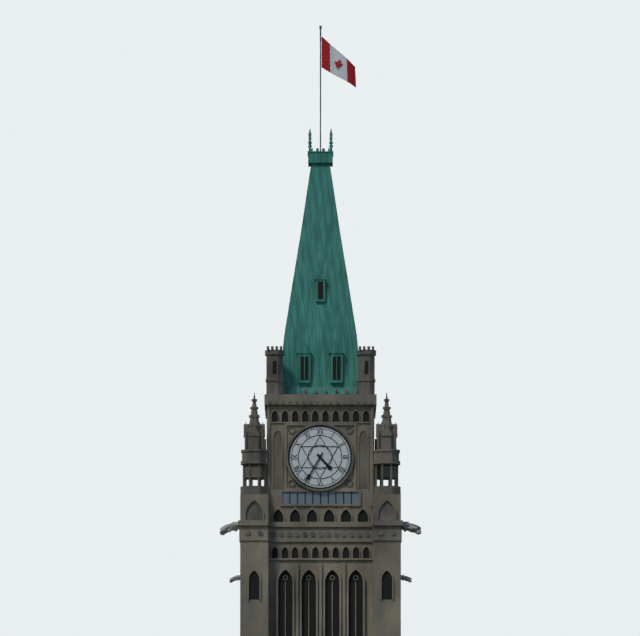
**4:35**
